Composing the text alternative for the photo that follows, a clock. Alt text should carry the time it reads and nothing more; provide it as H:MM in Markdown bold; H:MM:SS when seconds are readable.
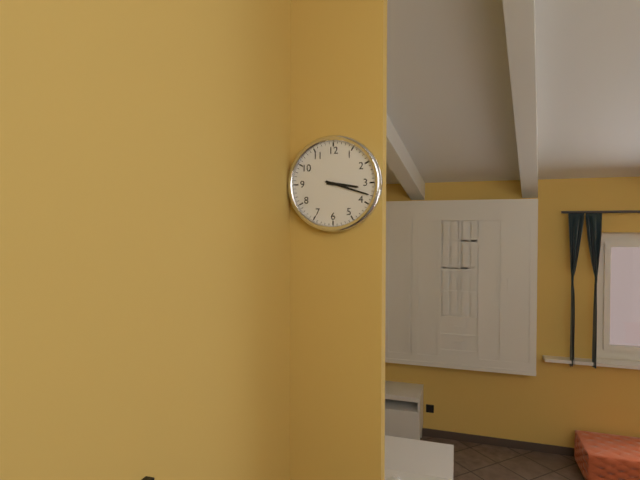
**3:18**
